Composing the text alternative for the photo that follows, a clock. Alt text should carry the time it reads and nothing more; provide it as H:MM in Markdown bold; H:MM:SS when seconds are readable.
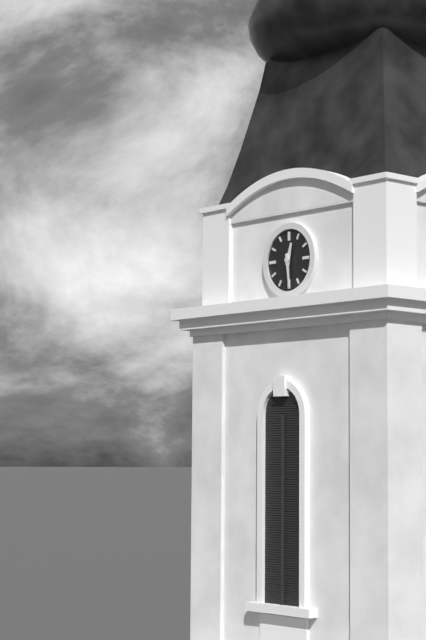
**12:29**
